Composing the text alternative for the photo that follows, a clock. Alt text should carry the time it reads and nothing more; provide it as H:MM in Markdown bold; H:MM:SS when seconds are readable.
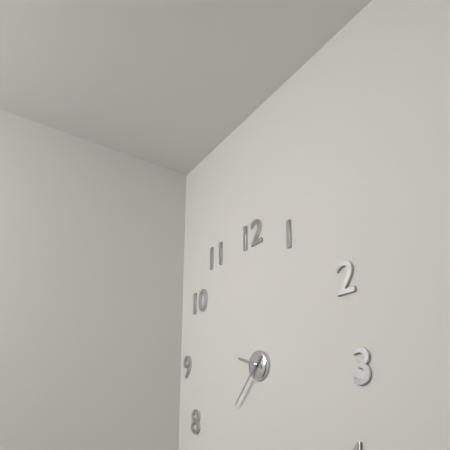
**9:37**
